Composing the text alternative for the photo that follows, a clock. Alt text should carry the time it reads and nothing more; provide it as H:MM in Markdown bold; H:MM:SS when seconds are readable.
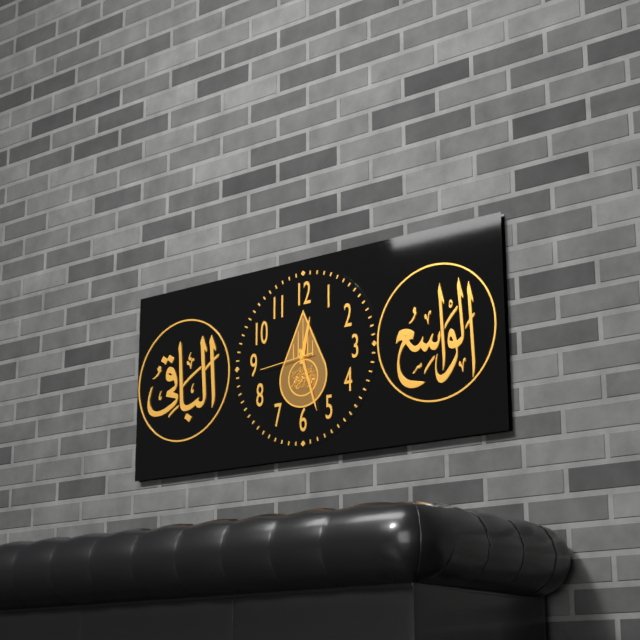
**12:27:44**
